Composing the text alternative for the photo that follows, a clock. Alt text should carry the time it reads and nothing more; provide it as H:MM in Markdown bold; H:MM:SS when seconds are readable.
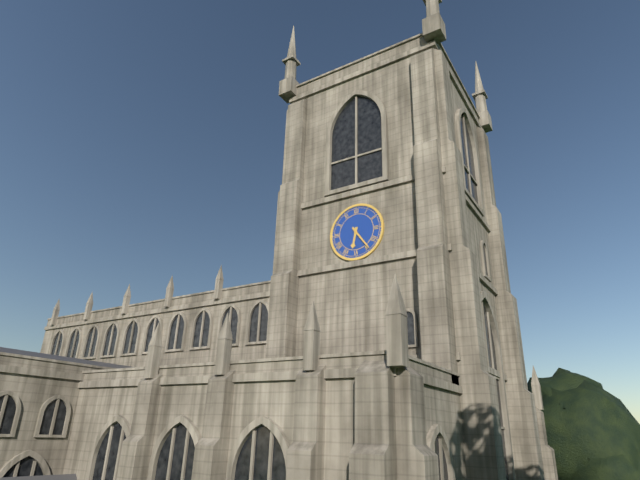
**6:24**
